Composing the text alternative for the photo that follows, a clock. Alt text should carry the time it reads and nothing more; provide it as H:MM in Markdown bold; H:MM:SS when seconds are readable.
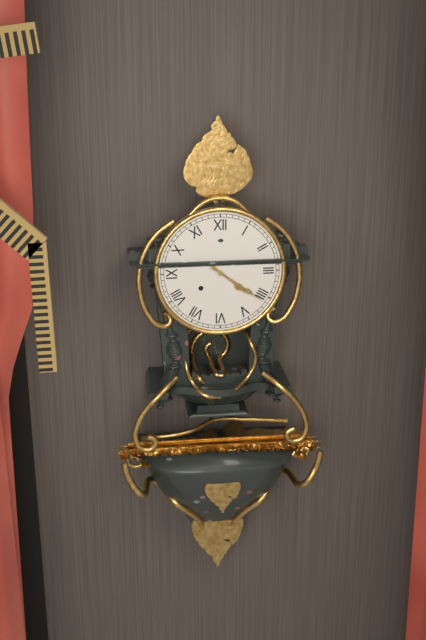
**4:21**
